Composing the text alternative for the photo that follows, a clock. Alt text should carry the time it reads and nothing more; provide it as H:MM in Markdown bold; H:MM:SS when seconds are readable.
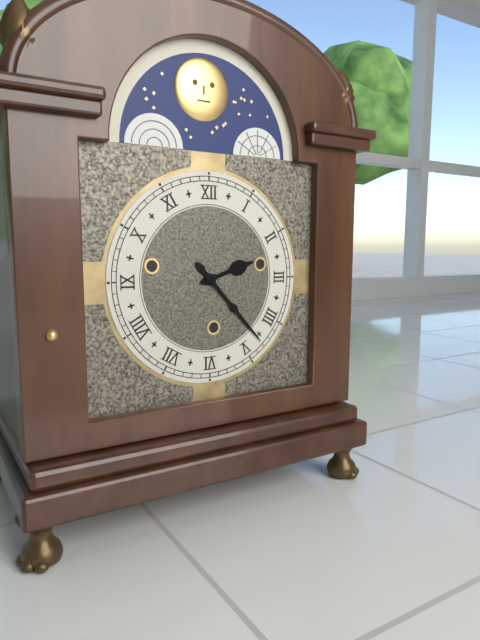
**2:23**
